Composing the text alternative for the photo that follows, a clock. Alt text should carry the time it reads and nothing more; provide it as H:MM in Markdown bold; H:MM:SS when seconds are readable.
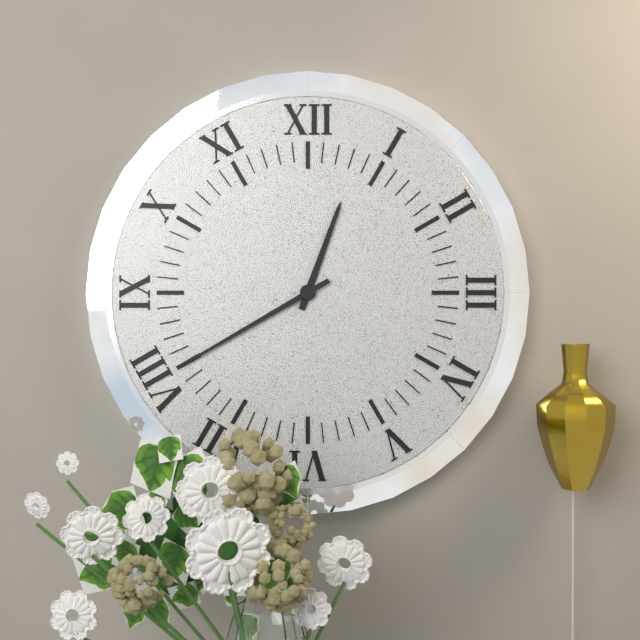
**12:40**
